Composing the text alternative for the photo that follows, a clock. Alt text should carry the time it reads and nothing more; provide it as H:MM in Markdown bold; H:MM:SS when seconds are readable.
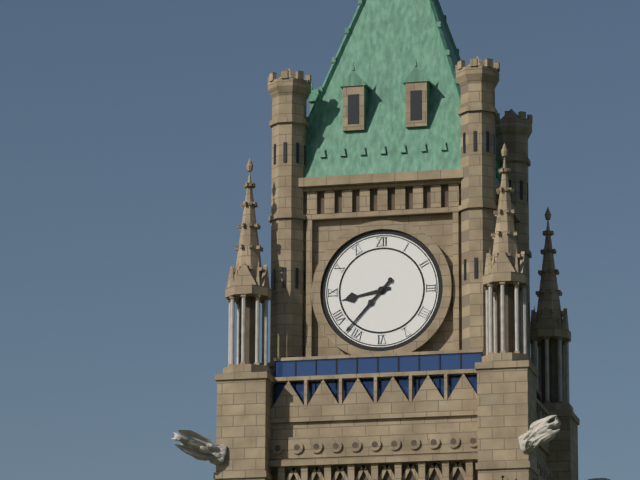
**8:37**
